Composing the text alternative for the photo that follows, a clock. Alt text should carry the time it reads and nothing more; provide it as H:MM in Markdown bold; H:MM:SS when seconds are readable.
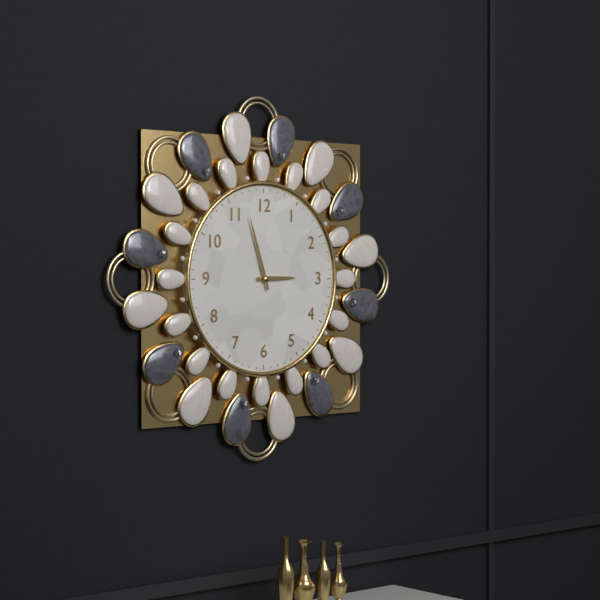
**2:57**
